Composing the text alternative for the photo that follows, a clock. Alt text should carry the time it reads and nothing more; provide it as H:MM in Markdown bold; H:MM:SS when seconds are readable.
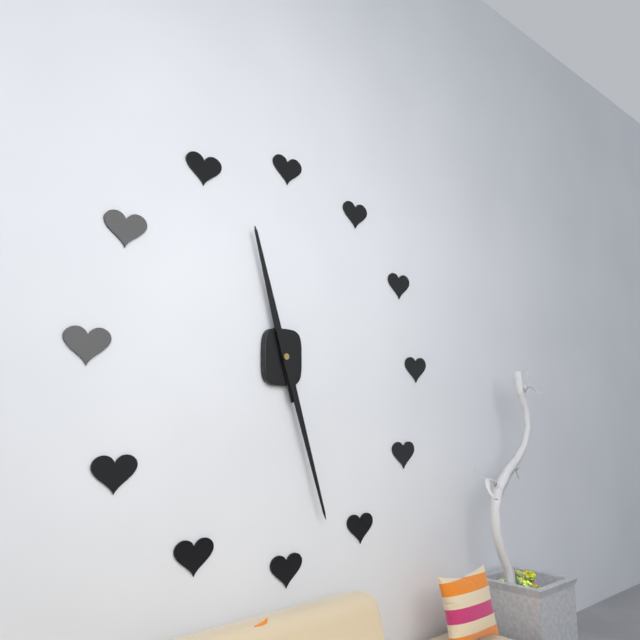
**11:27**
